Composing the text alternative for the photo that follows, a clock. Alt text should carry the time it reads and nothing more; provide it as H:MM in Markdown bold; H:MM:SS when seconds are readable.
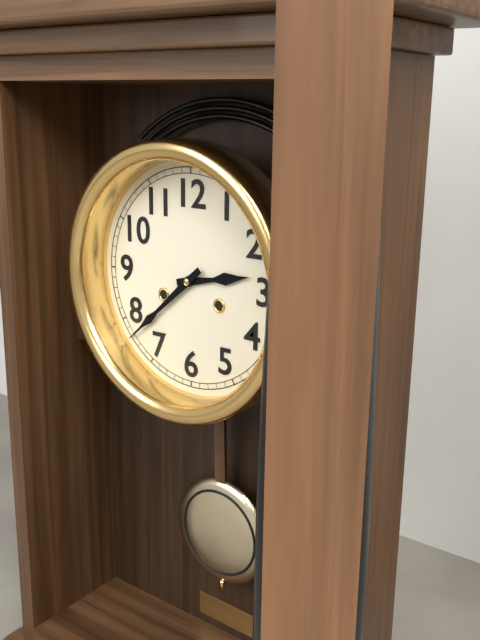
**2:38**
